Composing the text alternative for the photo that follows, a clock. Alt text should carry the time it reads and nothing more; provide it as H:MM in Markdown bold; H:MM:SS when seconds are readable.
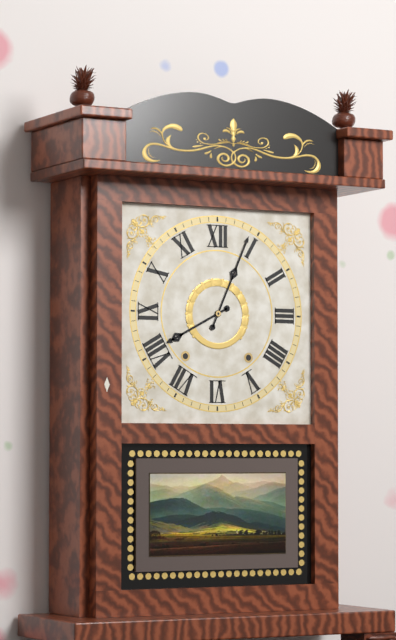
**8:04**
